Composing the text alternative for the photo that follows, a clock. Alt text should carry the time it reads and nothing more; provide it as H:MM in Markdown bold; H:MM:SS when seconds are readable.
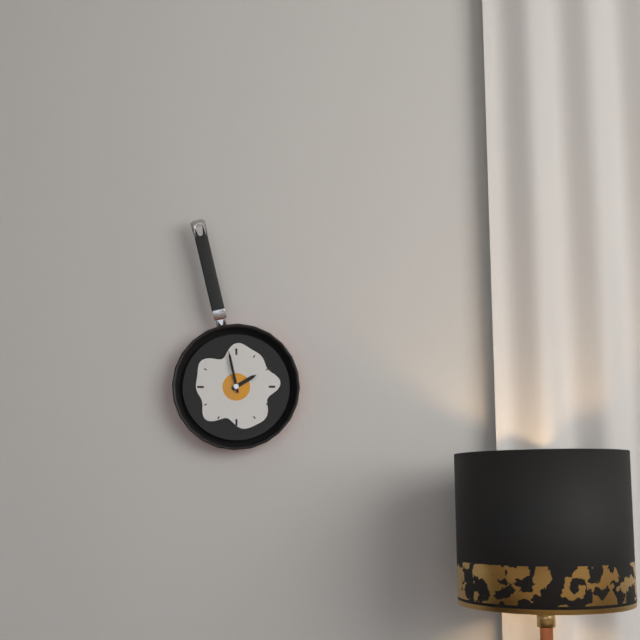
**1:58**
